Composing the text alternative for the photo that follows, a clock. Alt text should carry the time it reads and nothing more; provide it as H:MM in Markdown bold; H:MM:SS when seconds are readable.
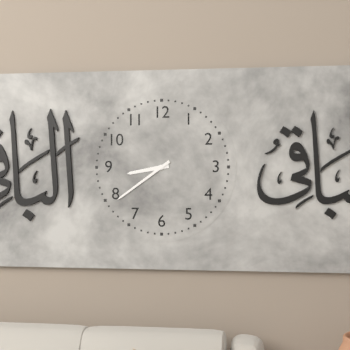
**8:39**
